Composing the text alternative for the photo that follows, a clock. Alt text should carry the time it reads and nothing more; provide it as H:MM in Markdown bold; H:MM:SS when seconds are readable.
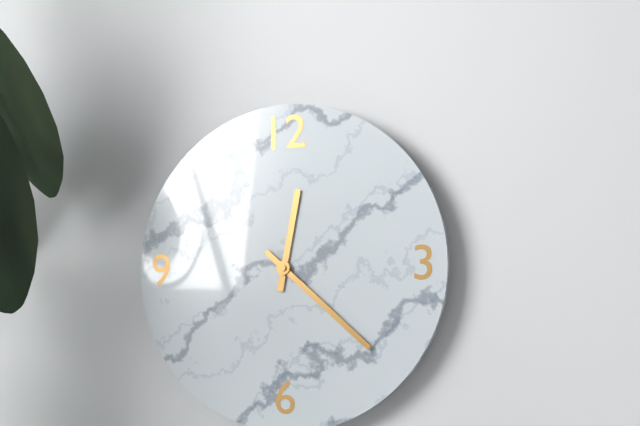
**12:22**
